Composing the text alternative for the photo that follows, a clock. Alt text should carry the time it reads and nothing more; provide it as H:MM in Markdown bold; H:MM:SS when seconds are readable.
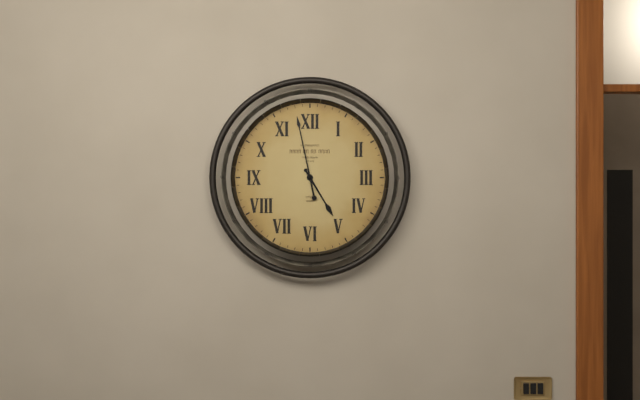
**4:58**
